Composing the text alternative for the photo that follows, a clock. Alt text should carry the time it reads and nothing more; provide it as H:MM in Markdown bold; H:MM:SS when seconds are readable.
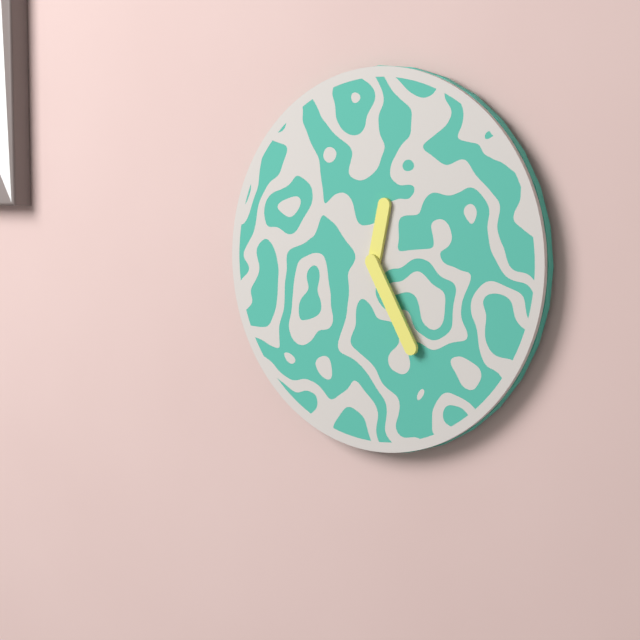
**12:25**
